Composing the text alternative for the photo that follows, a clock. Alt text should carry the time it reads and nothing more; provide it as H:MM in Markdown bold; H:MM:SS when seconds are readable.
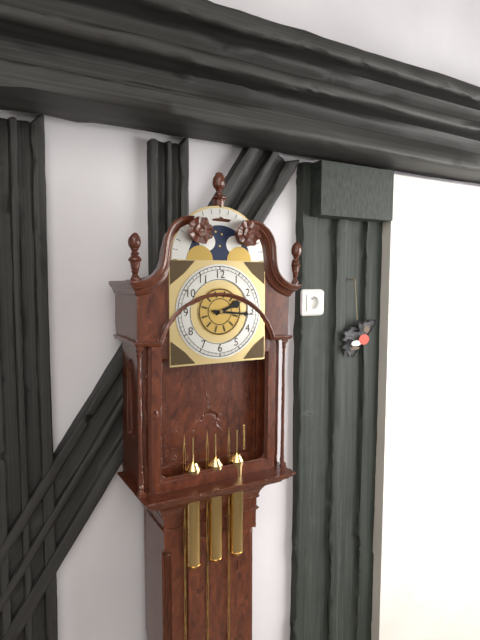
**2:16**
